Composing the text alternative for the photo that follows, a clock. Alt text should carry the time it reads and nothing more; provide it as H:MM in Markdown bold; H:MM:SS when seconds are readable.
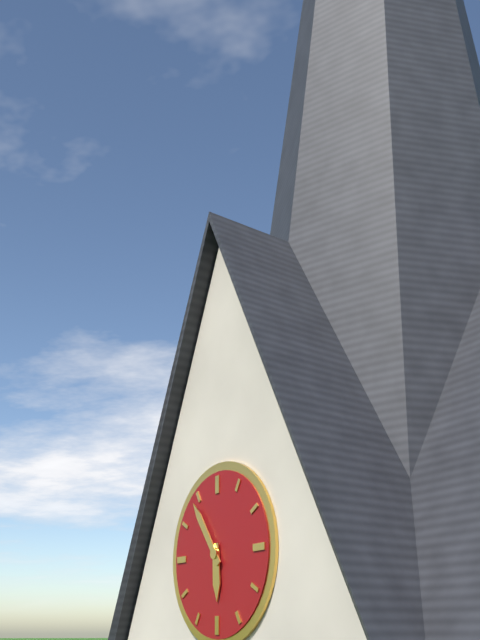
**5:54**
